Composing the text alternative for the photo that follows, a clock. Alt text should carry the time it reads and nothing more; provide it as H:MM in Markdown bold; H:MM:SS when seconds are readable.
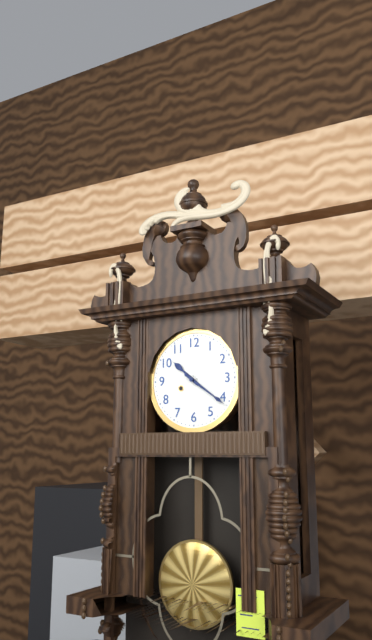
**10:21**
